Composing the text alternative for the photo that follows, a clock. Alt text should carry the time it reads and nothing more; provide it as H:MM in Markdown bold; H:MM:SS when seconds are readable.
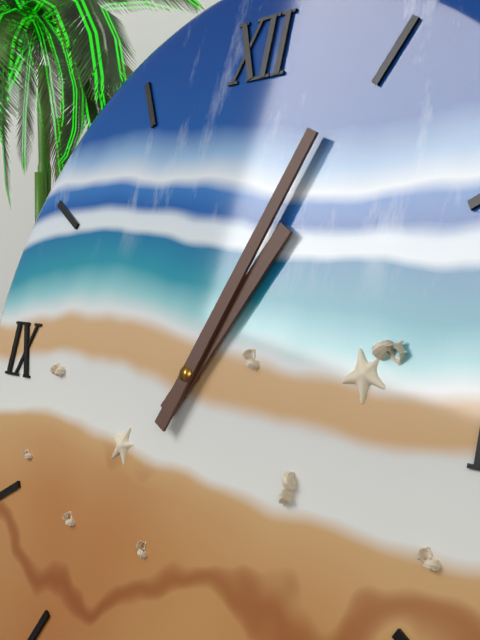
**1:04**
